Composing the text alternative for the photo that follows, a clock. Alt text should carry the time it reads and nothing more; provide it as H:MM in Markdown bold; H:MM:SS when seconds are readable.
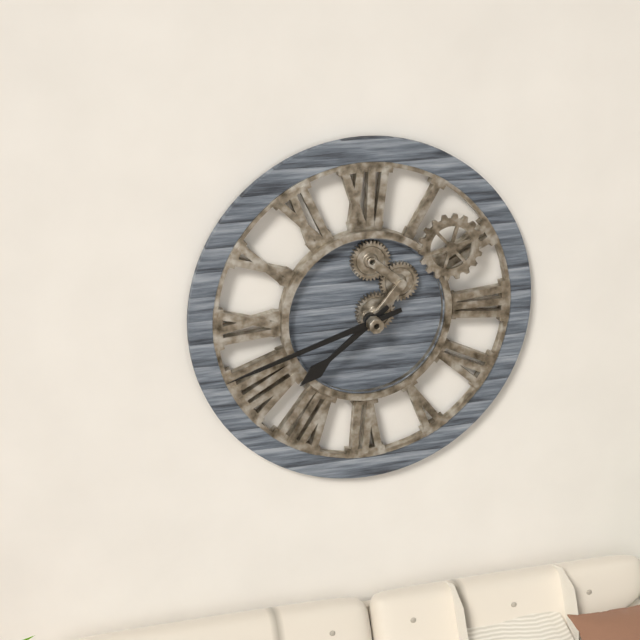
**7:42**
